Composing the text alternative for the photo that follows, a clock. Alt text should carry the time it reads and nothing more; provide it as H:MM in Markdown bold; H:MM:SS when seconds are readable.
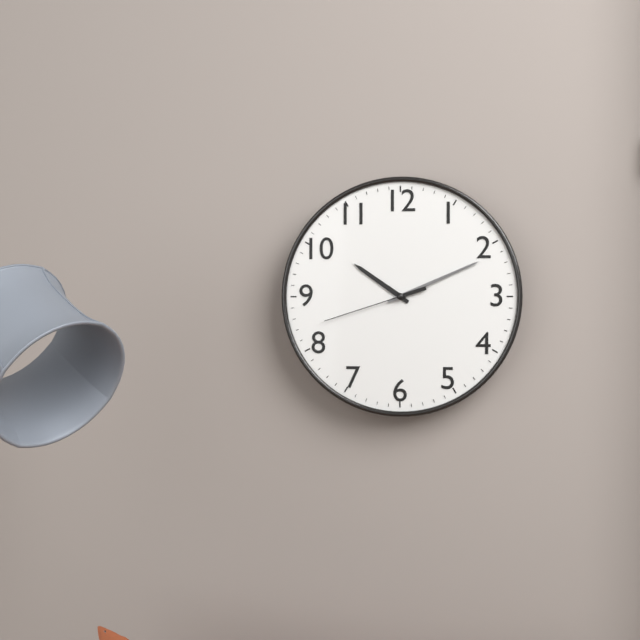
**10:11:42**
